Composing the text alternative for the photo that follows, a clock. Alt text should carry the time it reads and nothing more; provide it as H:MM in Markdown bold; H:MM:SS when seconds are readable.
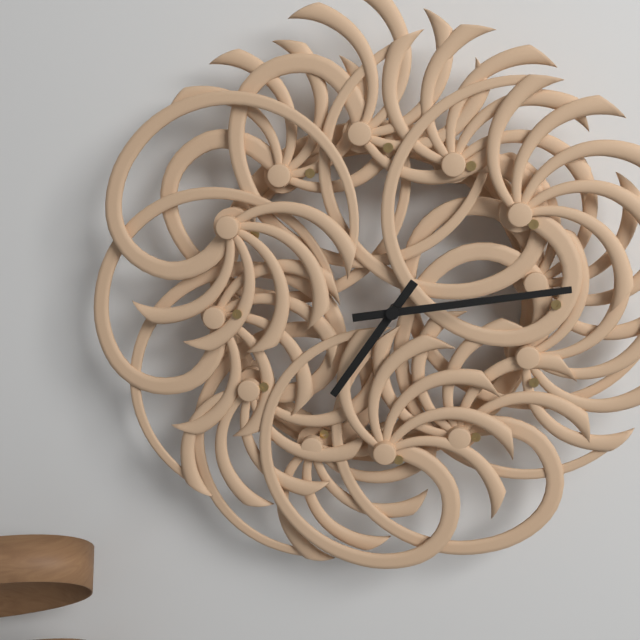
**7:14**
